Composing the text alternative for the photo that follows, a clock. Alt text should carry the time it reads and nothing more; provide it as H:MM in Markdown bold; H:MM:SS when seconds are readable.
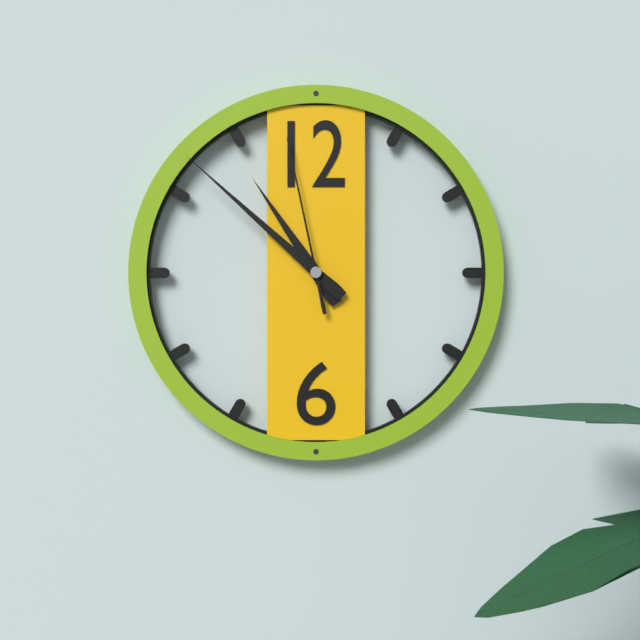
**10:52:58**
